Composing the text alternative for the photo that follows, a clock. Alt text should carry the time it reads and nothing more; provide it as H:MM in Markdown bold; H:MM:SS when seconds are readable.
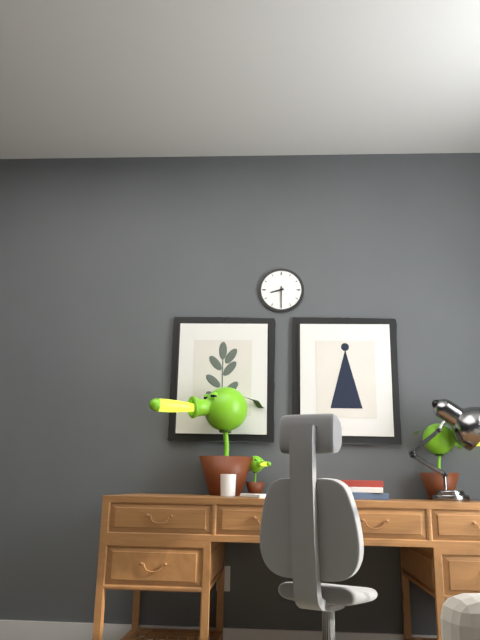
**8:30**
